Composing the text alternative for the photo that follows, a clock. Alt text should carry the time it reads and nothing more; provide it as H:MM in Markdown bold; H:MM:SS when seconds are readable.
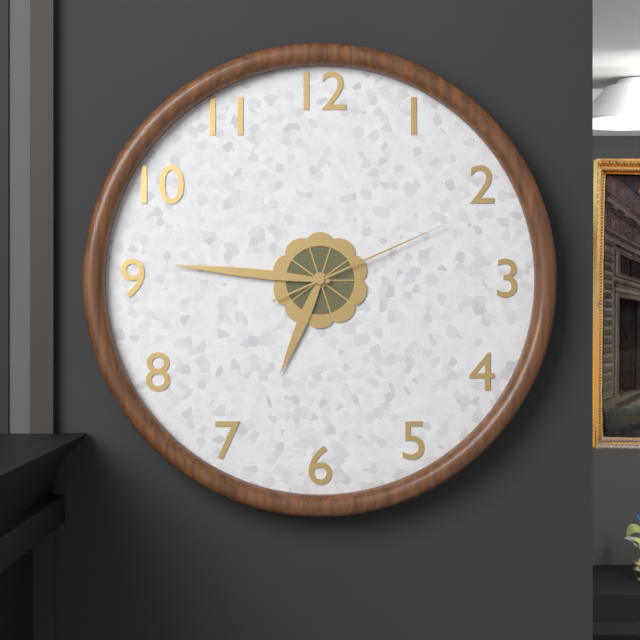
**6:46:11**
